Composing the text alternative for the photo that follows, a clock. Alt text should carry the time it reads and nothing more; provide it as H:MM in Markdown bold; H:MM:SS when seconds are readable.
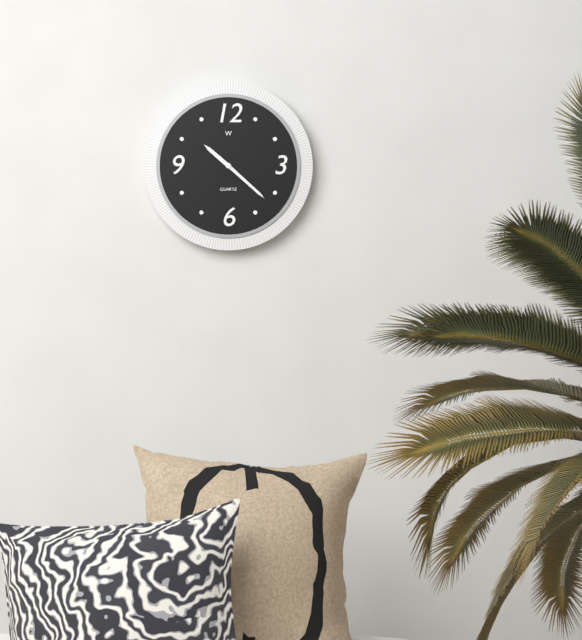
**10:22**
